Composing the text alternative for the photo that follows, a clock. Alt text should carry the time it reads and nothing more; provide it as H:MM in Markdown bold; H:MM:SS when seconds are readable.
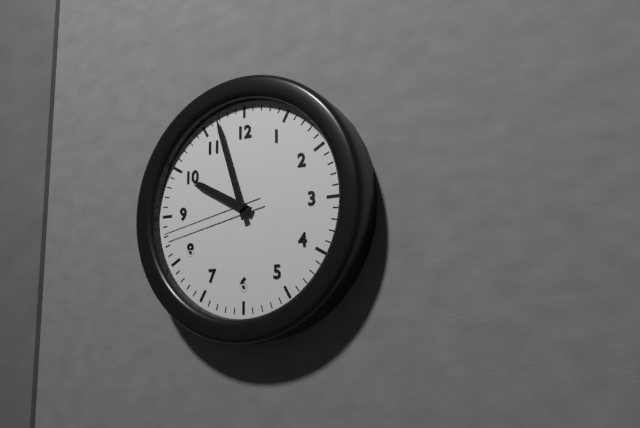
**9:57:43**
